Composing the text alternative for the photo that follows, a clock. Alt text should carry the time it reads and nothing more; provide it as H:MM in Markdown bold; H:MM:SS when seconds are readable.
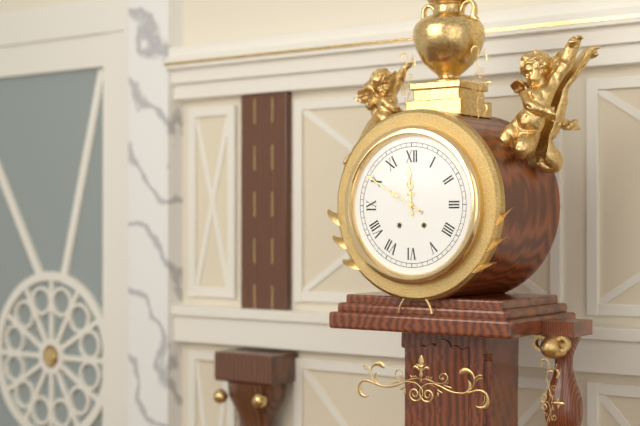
**11:50**
